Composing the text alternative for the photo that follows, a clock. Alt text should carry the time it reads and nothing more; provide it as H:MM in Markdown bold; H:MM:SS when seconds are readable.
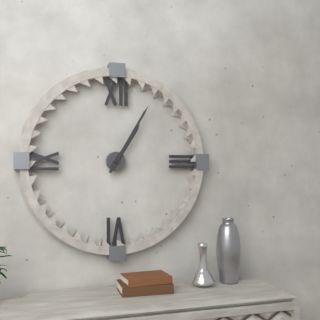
**1:05**
